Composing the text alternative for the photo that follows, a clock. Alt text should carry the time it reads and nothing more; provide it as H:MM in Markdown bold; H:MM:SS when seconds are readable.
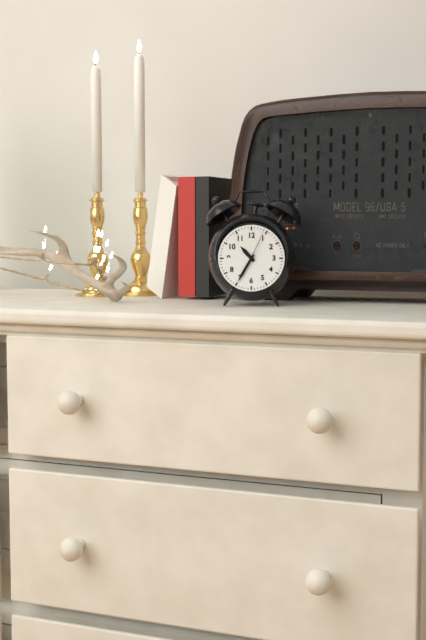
**10:35**
